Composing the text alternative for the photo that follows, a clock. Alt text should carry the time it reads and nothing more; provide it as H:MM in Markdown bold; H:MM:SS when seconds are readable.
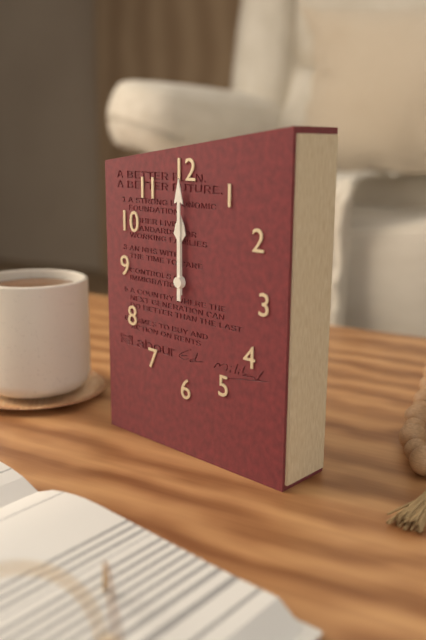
**12:00**
